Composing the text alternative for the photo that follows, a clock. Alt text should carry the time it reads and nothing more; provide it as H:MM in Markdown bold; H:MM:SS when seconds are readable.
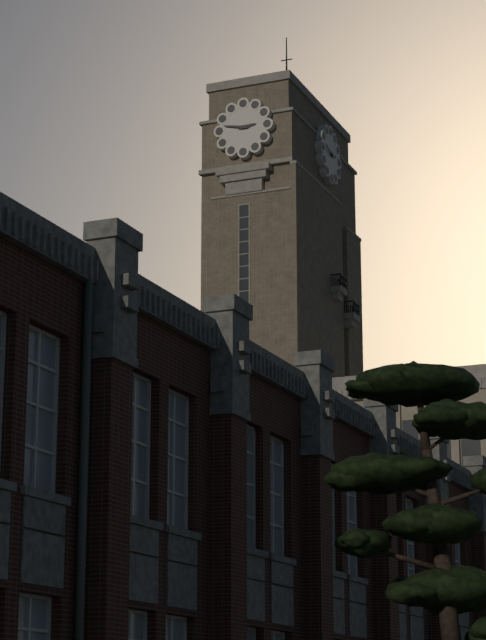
**2:47**
